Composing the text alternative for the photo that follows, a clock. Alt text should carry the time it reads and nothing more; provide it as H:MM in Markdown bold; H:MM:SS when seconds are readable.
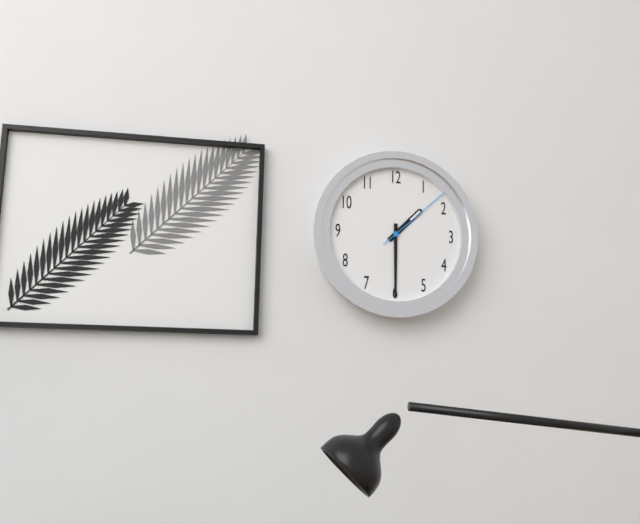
**1:30:08**
